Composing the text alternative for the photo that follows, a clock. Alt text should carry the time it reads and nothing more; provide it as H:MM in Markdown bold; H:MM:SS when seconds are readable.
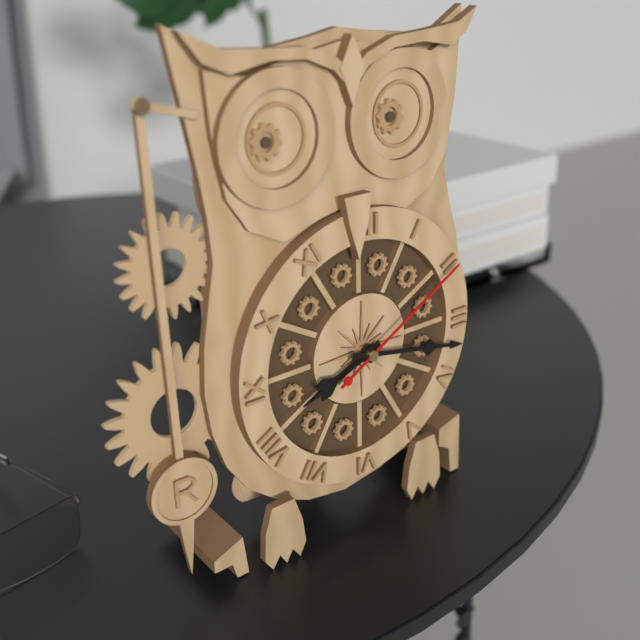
**8:17:10**
